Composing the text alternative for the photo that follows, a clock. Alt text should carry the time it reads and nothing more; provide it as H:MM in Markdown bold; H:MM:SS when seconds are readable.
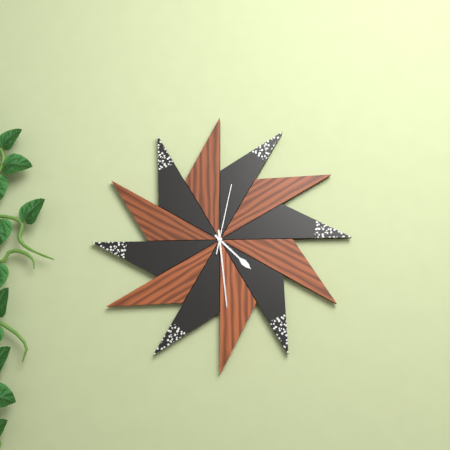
**4:29:02**
